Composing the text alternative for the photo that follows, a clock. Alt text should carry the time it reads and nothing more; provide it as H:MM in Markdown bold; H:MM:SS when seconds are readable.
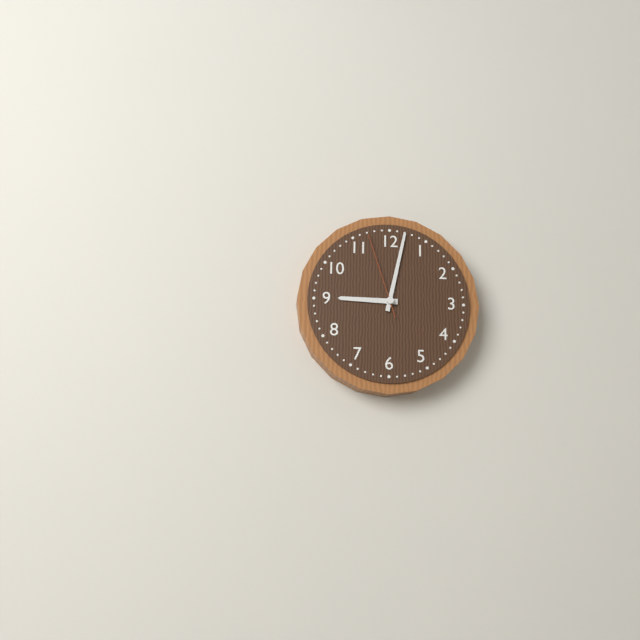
**9:02:57**
